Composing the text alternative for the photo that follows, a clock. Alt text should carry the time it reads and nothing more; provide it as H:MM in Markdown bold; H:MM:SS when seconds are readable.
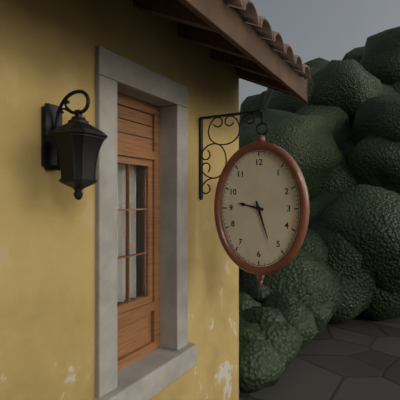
**9:27**
